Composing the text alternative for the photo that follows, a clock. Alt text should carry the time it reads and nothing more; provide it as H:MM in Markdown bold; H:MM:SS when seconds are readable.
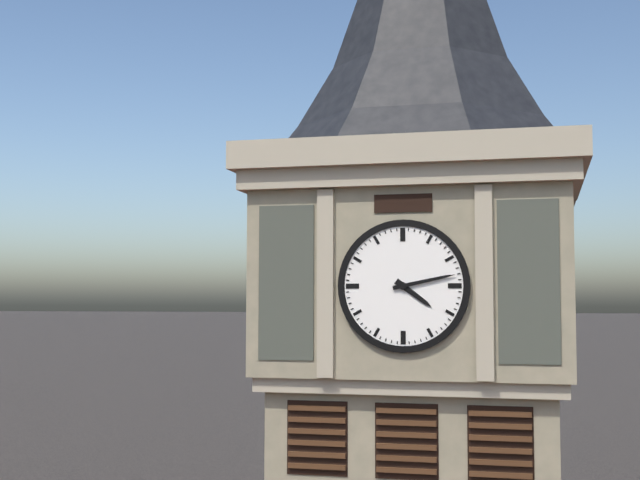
**4:13**
